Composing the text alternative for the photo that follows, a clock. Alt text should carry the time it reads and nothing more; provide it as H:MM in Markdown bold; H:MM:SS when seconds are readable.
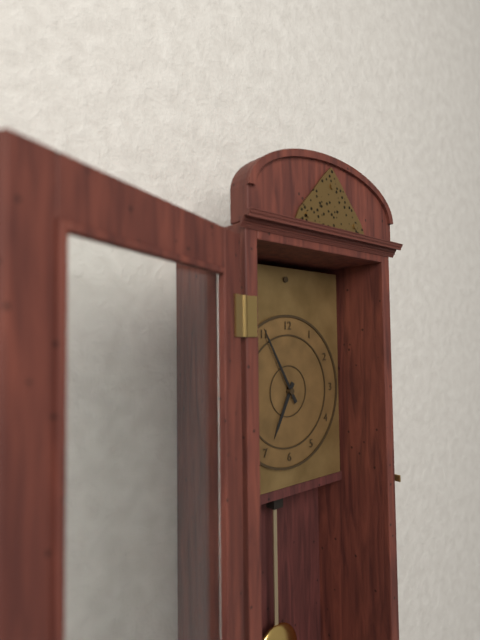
**6:55**
